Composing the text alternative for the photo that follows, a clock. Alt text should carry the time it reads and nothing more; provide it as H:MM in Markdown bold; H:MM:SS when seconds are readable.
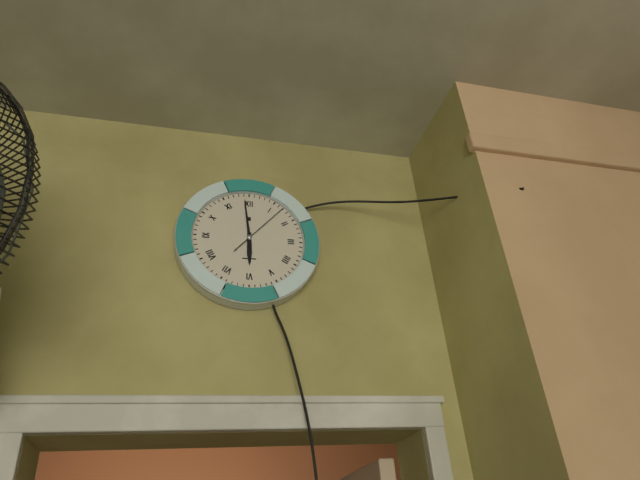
**5:59:07**
